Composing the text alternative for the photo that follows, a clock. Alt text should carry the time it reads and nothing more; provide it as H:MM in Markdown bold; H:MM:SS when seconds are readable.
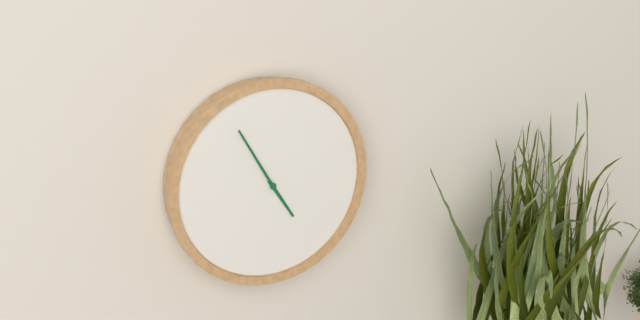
**4:55**
